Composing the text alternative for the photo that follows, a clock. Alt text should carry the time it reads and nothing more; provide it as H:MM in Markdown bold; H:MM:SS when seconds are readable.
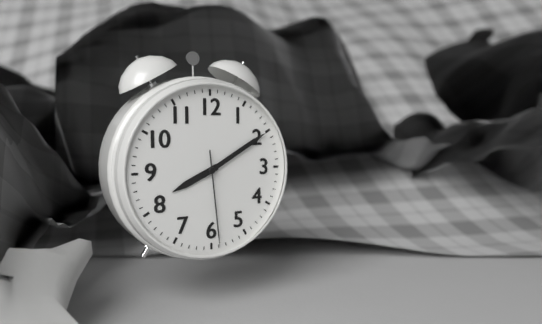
**8:10:29**
